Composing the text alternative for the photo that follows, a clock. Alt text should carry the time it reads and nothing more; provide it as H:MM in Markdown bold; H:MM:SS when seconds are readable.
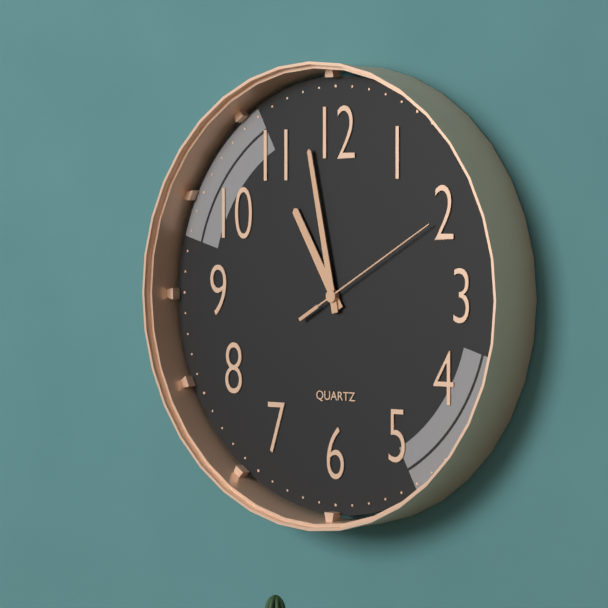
**10:58:10**
